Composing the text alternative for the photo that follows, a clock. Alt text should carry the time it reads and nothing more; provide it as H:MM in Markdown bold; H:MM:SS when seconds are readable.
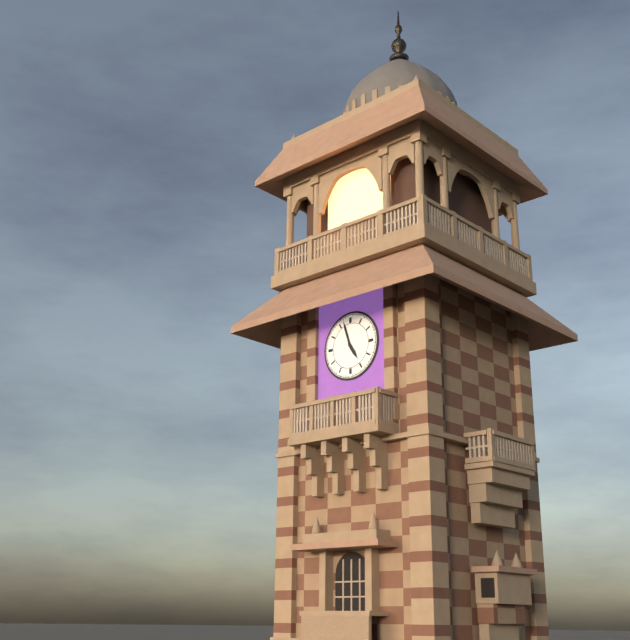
**4:57**
